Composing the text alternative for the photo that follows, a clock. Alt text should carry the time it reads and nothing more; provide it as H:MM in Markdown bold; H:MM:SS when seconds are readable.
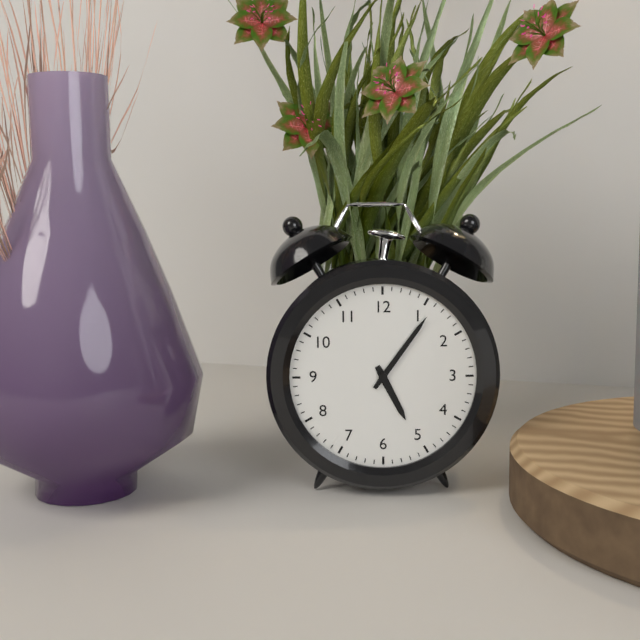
**5:06**
